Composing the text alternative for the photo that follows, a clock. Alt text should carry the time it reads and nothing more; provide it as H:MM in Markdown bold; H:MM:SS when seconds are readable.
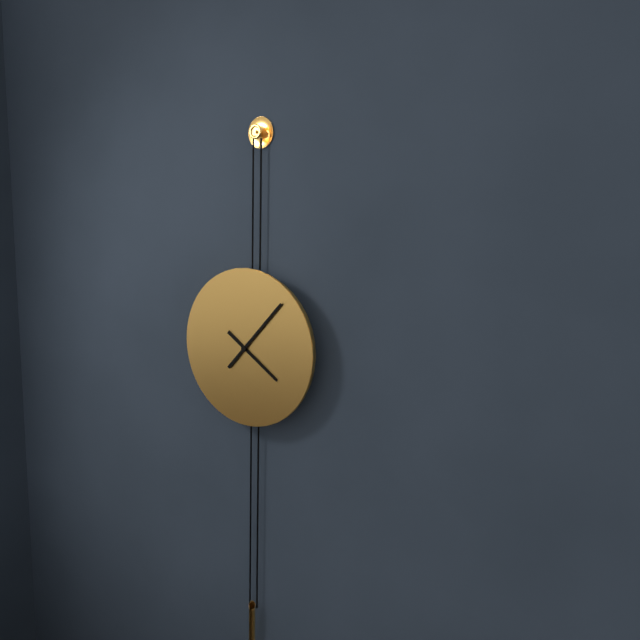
**4:07**
